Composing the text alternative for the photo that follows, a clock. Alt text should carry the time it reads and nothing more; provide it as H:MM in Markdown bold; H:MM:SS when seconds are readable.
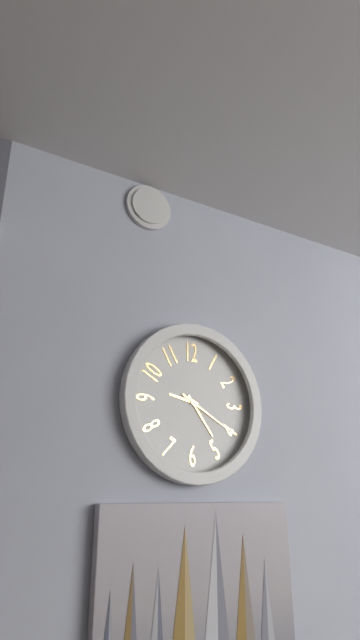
**9:24:20**
